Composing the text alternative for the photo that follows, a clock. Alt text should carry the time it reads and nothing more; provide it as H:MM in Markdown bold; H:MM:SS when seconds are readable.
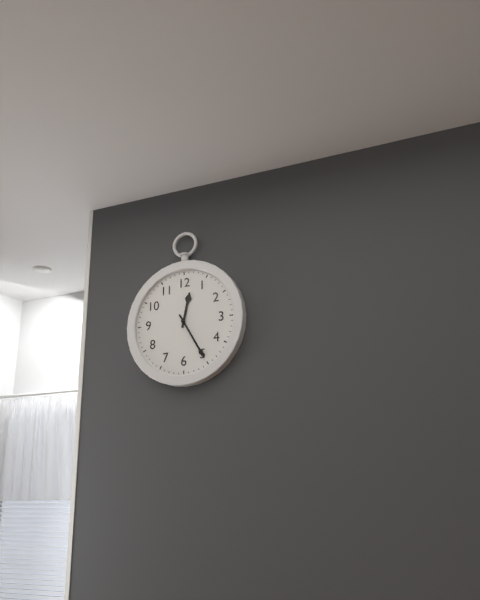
**12:25**
